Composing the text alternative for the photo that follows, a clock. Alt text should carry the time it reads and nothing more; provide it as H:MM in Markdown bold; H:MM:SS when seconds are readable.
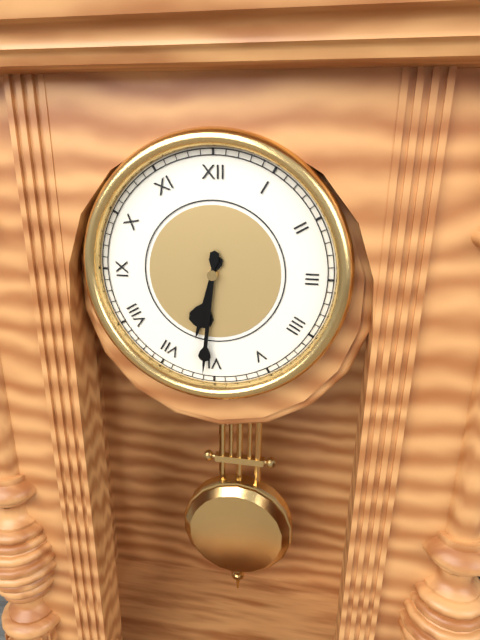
**6:31**
